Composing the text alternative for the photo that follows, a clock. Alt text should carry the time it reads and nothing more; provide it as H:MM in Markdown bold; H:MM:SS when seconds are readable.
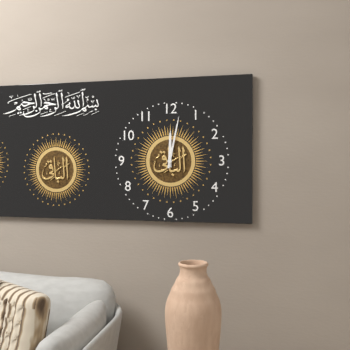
**12:02**
